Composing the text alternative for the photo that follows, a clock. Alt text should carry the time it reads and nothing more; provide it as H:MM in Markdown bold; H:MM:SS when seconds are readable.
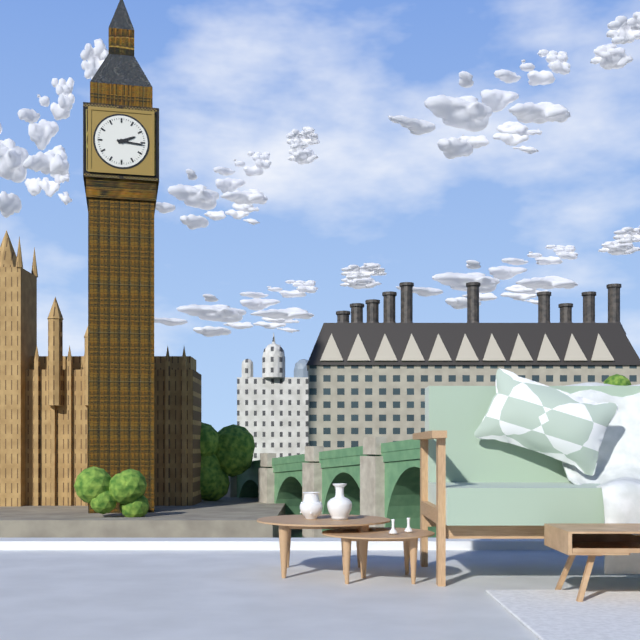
**2:16**
